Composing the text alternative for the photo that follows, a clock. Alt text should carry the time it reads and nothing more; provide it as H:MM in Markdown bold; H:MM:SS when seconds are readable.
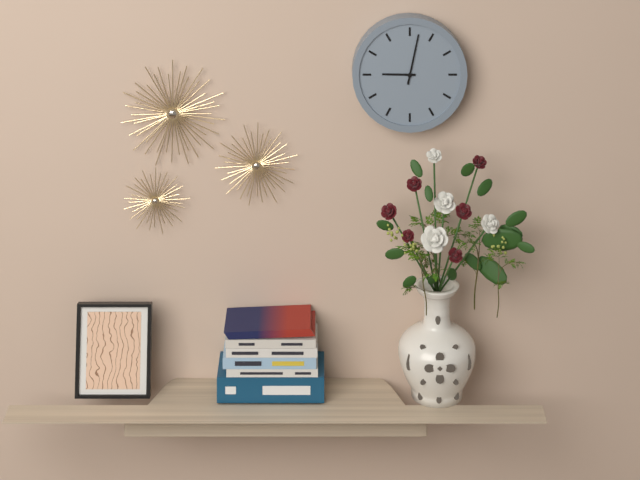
**9:02**
